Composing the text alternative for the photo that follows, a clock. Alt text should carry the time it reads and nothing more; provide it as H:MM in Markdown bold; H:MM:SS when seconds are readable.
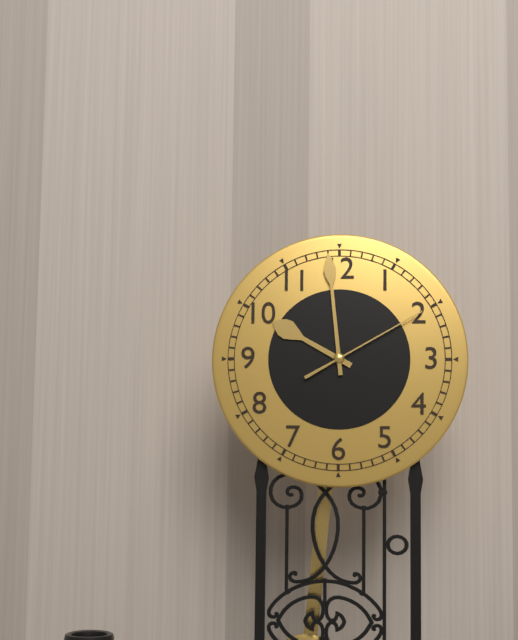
**9:59:10**
